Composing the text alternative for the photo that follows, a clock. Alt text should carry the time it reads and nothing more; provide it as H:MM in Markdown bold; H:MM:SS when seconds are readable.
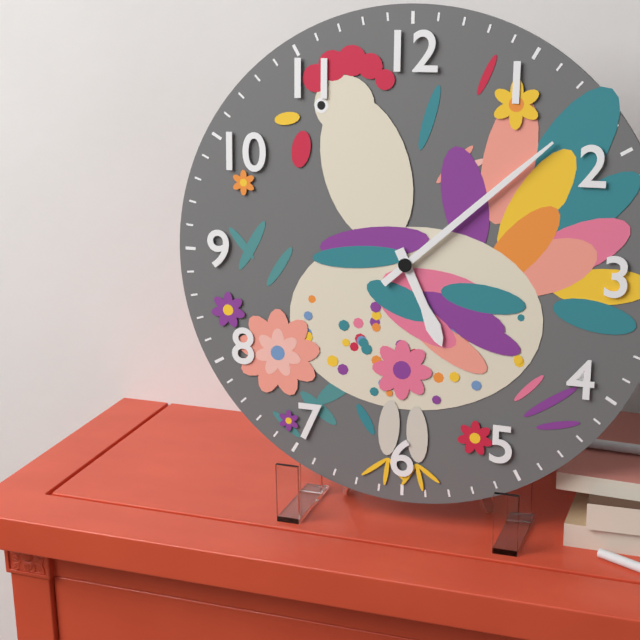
**5:08**
